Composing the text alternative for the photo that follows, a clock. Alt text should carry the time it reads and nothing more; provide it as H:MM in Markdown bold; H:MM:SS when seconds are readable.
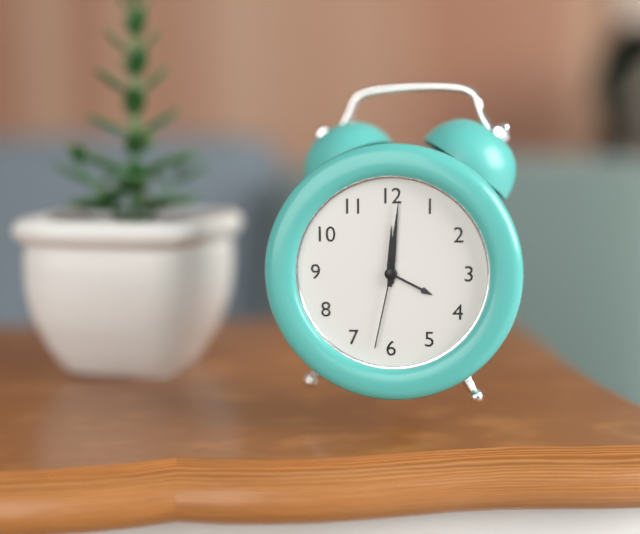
**12:01:32**
